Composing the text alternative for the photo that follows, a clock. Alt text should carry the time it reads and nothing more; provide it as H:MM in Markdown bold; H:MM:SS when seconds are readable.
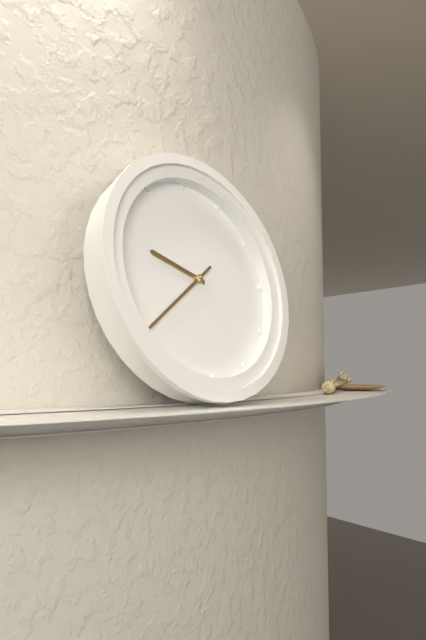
**9:39**
